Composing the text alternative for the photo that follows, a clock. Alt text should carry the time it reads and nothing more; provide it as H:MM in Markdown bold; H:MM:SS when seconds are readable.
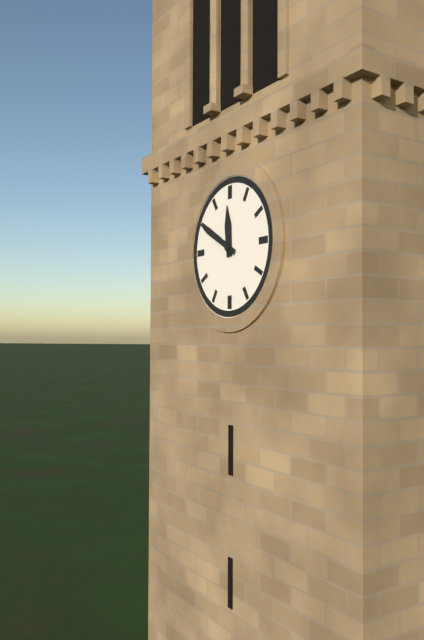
**11:50**
